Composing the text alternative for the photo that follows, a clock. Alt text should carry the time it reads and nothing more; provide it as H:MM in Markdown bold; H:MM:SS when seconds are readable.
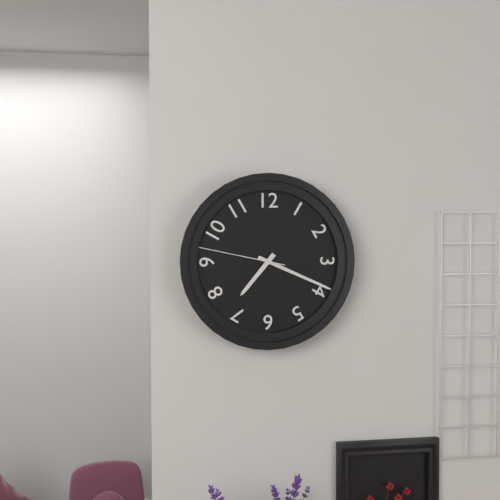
**7:19:47**
